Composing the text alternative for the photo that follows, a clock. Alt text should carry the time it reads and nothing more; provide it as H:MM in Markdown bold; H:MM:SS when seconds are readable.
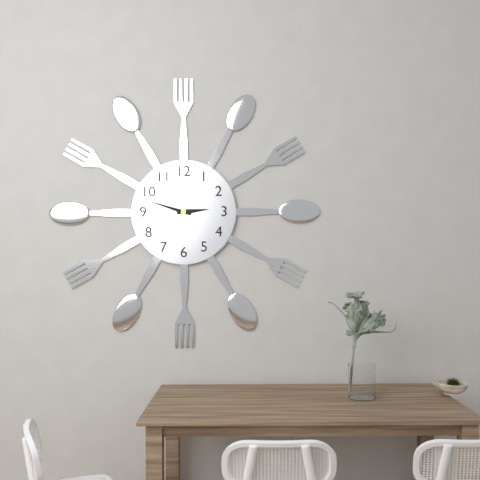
**2:48**
